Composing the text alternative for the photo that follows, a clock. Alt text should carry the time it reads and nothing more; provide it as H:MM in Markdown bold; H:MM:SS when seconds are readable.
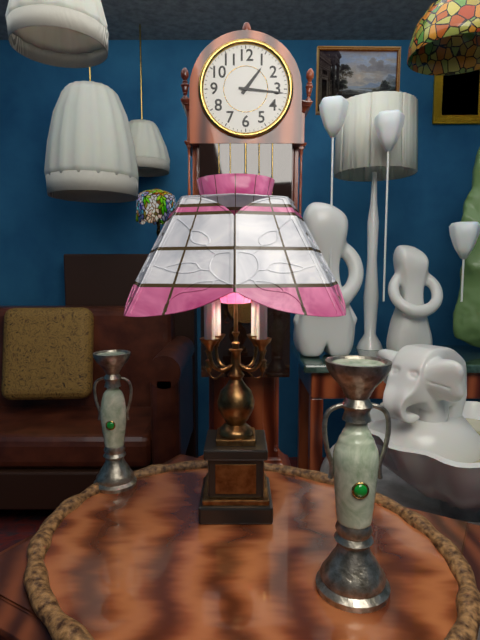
**1:16**
